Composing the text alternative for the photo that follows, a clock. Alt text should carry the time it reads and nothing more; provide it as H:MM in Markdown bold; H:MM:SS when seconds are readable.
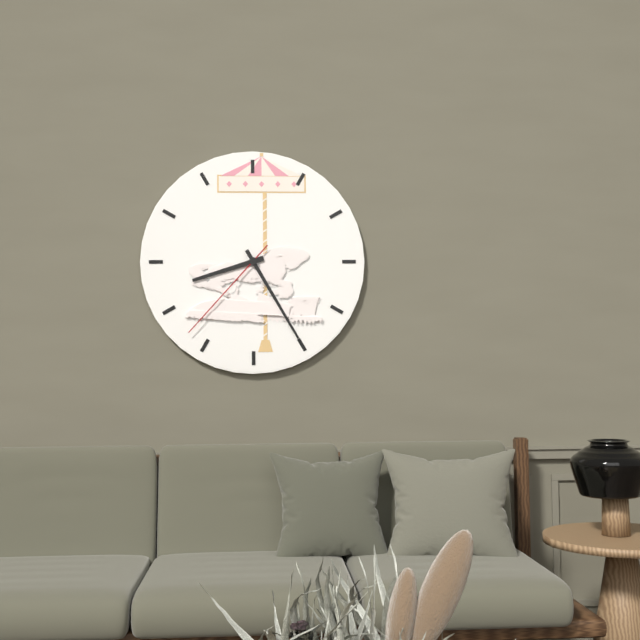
**8:25:37**
